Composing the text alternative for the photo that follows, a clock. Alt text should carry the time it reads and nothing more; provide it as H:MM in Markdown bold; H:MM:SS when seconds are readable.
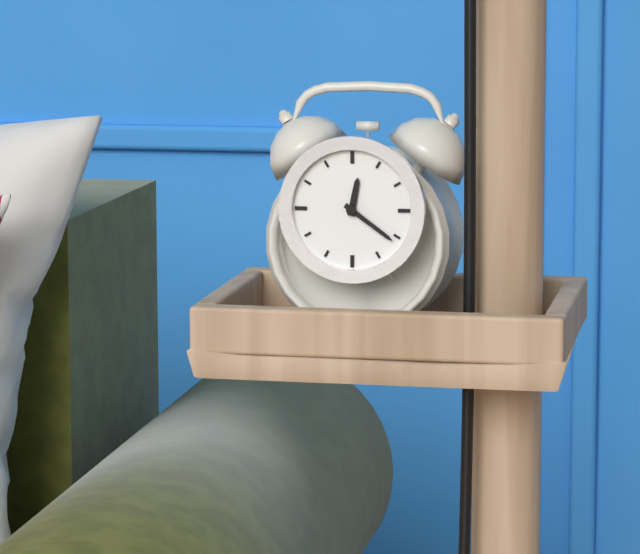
**12:21**
